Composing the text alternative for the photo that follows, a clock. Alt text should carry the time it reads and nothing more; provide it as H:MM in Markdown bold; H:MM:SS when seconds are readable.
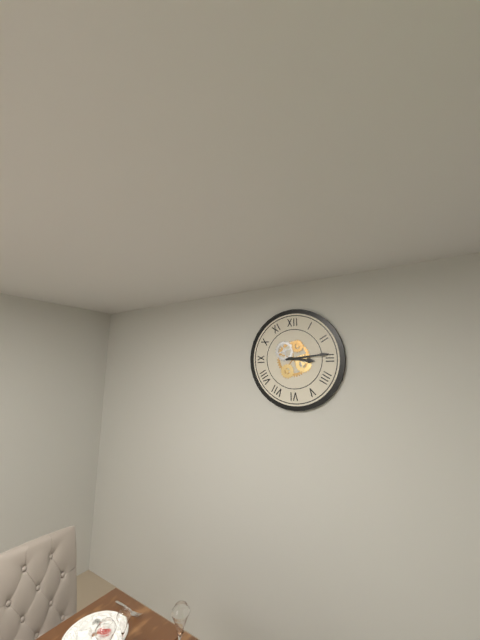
**3:14**
